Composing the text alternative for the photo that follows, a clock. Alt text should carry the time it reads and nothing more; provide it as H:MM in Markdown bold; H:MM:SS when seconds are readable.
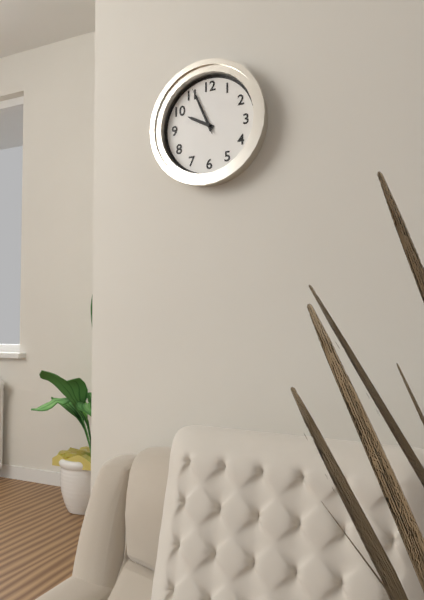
**9:56**
